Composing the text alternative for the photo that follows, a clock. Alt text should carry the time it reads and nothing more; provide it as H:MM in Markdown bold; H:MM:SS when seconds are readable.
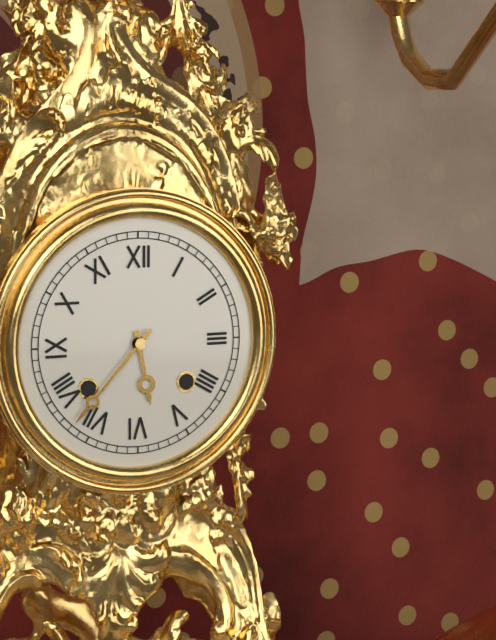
**5:37**
